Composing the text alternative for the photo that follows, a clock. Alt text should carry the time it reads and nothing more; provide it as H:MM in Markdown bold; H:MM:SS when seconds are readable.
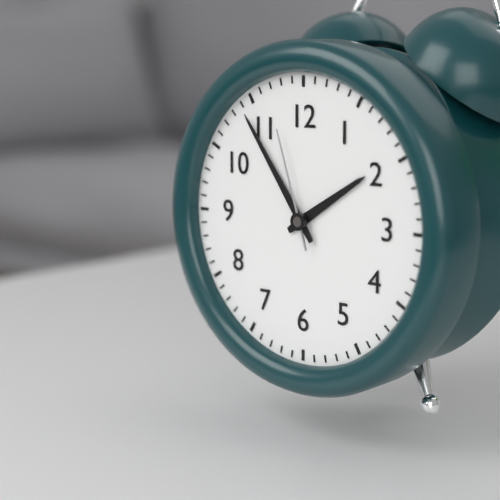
**1:54:57**
